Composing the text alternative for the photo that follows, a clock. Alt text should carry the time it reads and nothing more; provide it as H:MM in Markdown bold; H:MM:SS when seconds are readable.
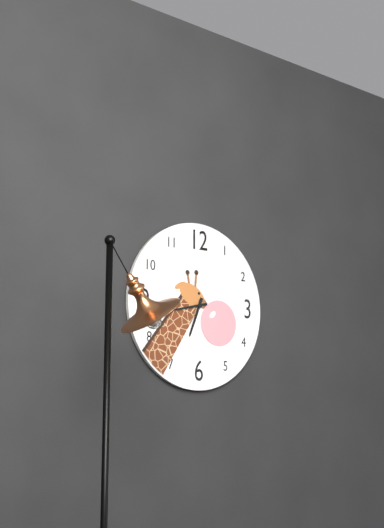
**6:43**
